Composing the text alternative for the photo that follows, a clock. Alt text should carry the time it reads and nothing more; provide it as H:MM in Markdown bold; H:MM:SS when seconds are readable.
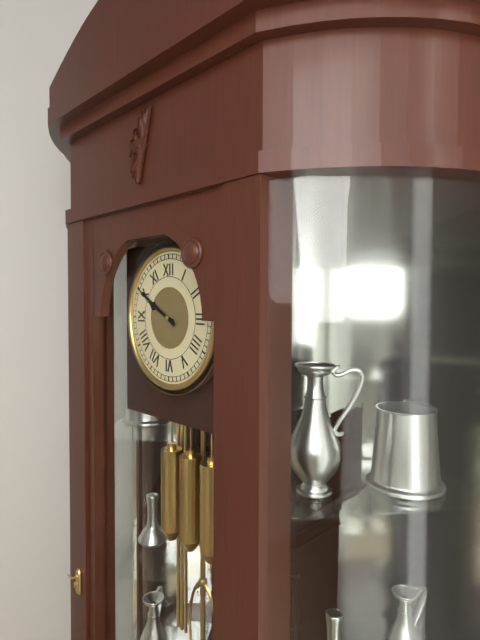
**9:50**
